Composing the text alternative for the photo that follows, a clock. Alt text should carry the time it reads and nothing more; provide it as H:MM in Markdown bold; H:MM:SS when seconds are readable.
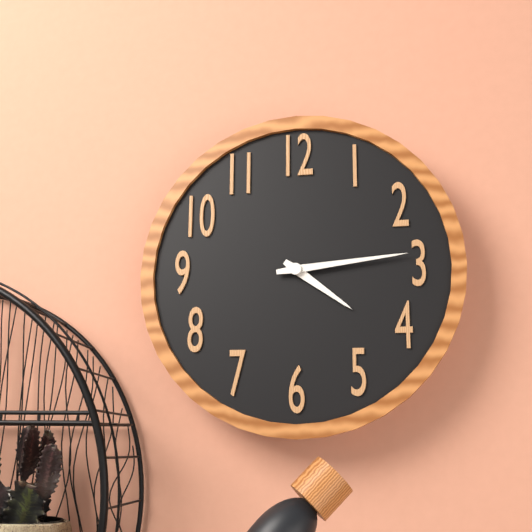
**4:14**
